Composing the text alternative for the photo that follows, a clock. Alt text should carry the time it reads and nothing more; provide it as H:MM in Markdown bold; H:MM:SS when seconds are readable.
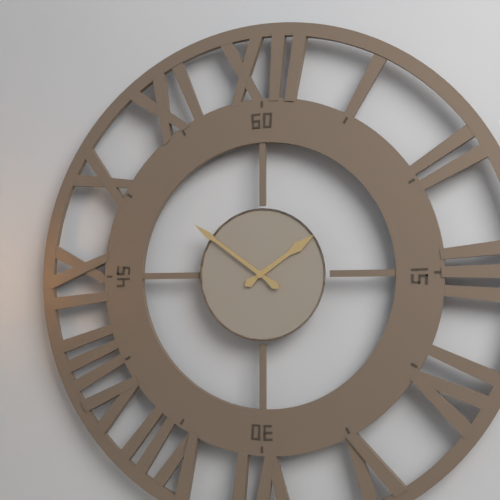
**1:51**
